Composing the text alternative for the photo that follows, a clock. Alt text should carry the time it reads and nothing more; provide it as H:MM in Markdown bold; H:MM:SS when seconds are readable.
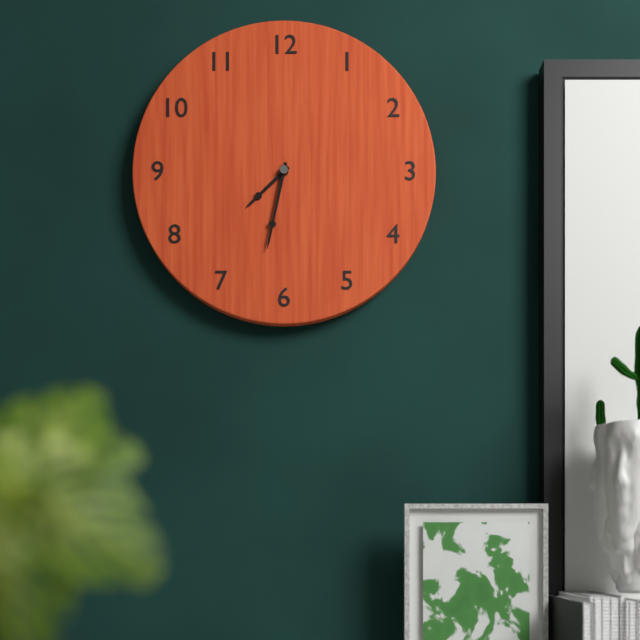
**7:32**
